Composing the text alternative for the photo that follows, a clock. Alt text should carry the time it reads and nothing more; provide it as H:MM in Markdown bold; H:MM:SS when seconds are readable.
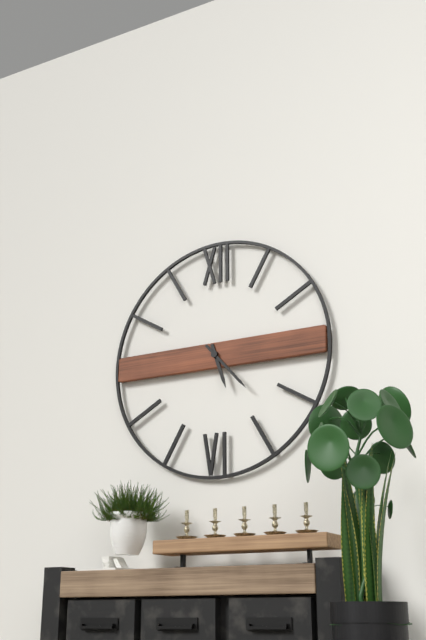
**5:23**
